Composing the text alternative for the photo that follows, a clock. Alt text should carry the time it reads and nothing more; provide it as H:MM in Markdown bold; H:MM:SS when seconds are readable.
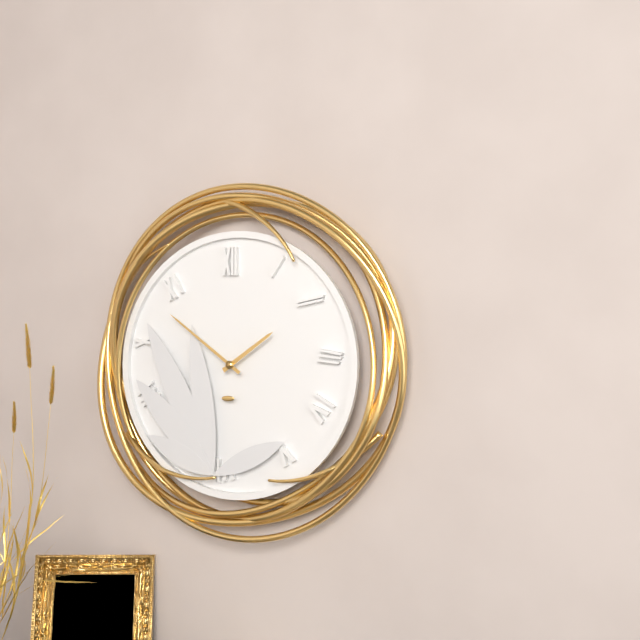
**1:51**
